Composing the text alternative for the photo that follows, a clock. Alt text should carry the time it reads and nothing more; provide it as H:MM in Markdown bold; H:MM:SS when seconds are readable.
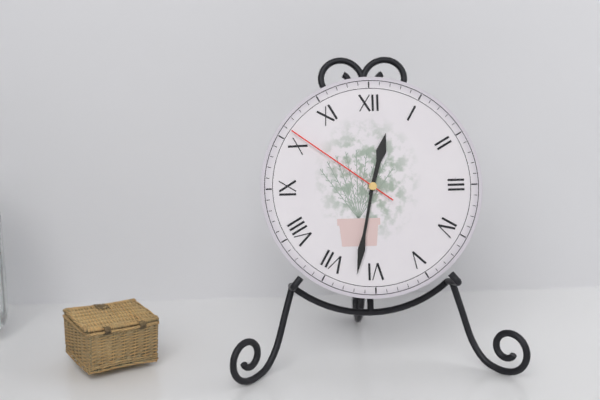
**12:32:51**
